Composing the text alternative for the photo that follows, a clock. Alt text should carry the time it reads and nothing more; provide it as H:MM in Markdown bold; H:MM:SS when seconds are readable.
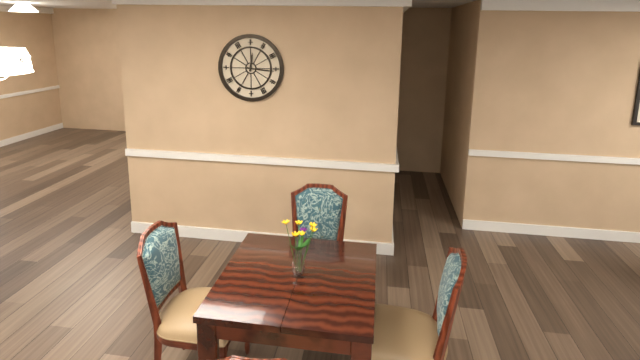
**12:16**
